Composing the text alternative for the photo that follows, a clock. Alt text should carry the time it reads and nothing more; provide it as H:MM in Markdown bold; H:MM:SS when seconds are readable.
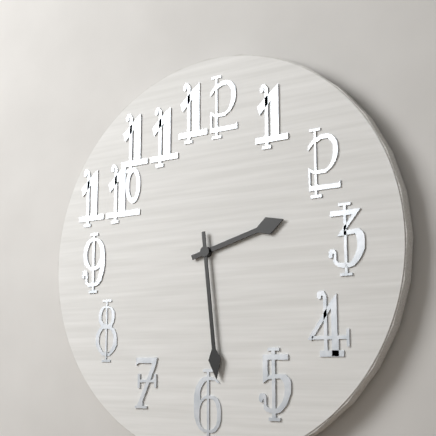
**2:29**
